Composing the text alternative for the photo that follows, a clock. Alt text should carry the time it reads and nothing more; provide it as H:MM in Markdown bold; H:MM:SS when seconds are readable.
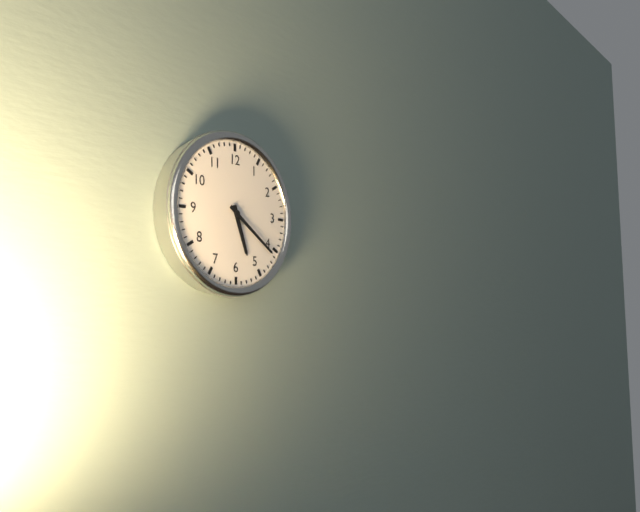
**5:21**
